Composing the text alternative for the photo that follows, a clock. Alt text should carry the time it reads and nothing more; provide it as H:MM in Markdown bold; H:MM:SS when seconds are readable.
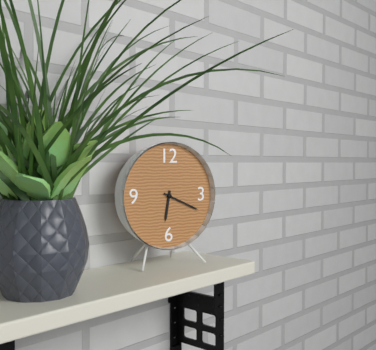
**6:19**
